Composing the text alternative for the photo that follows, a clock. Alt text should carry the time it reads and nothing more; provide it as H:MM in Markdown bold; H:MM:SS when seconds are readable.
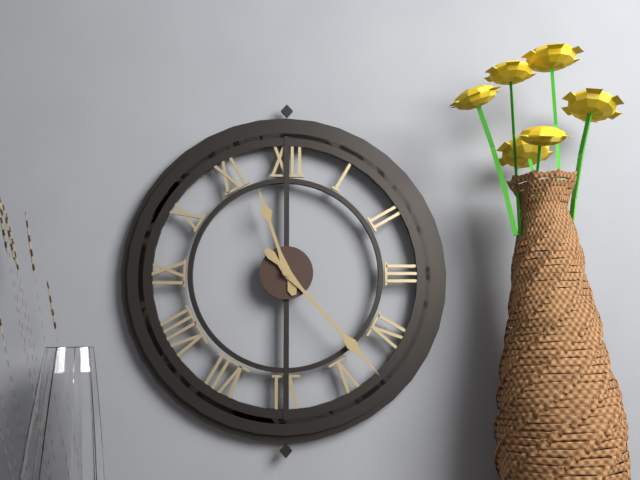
**11:23**
